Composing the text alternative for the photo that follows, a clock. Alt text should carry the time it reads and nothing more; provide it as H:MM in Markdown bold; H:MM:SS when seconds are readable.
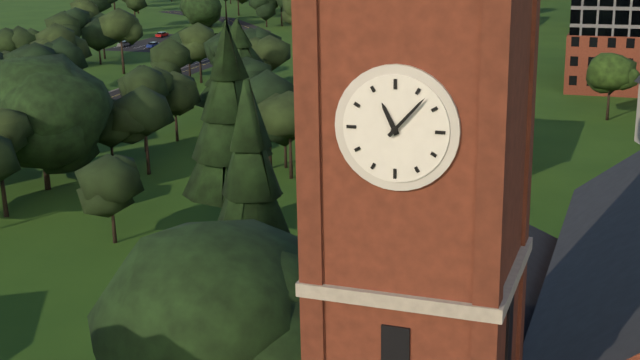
**11:07**
